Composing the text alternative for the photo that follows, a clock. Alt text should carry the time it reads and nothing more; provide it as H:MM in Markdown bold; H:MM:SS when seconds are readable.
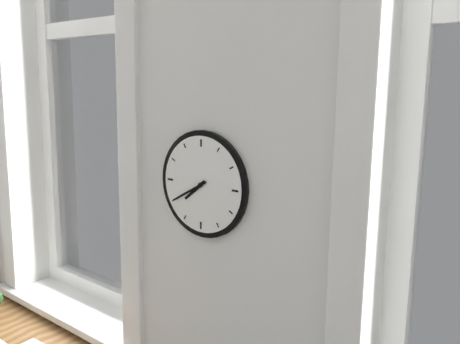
**7:40**
